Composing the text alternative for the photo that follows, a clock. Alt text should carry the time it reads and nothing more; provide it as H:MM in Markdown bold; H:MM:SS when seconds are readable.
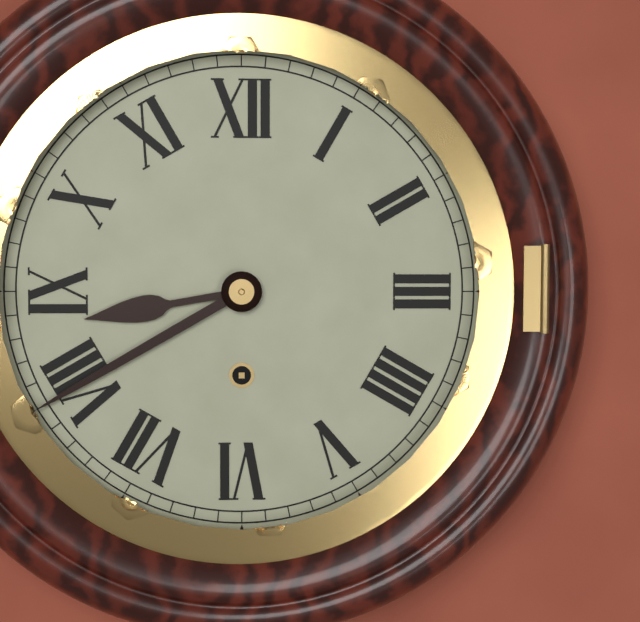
**8:40**
